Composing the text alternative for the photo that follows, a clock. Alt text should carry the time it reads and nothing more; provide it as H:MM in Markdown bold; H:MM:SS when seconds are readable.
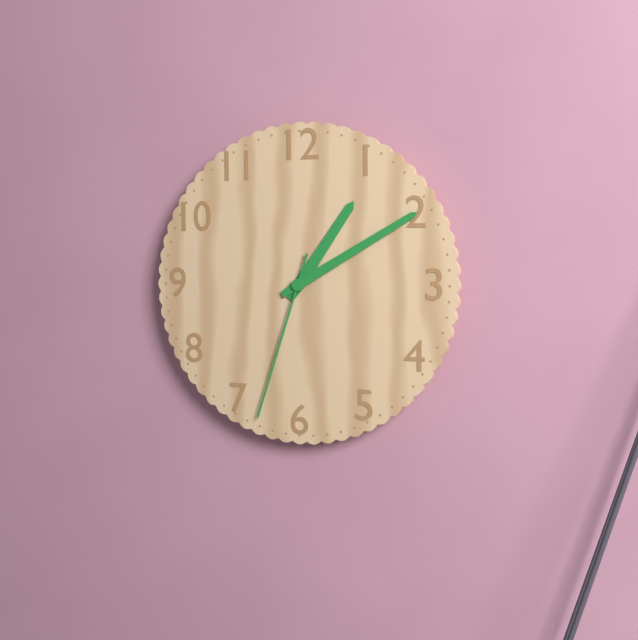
**1:10:33**
